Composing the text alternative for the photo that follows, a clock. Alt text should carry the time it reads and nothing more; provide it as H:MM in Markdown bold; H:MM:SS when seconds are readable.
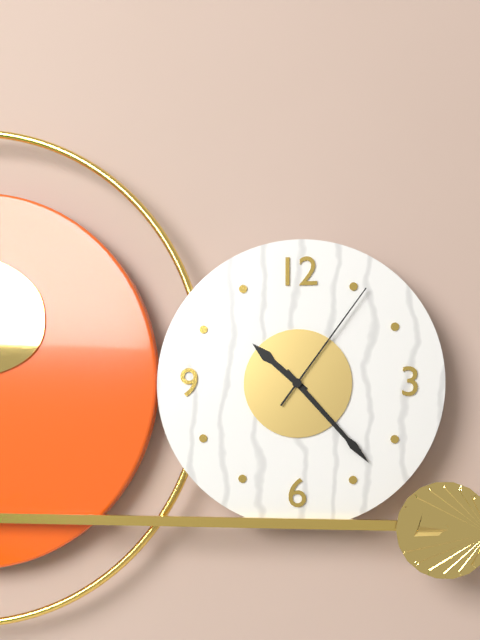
**10:23:06**
